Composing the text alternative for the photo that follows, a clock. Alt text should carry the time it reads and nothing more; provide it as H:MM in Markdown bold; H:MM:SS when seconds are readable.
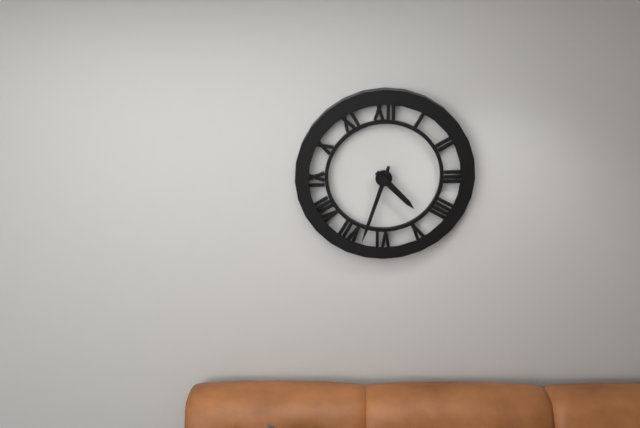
**4:33**
